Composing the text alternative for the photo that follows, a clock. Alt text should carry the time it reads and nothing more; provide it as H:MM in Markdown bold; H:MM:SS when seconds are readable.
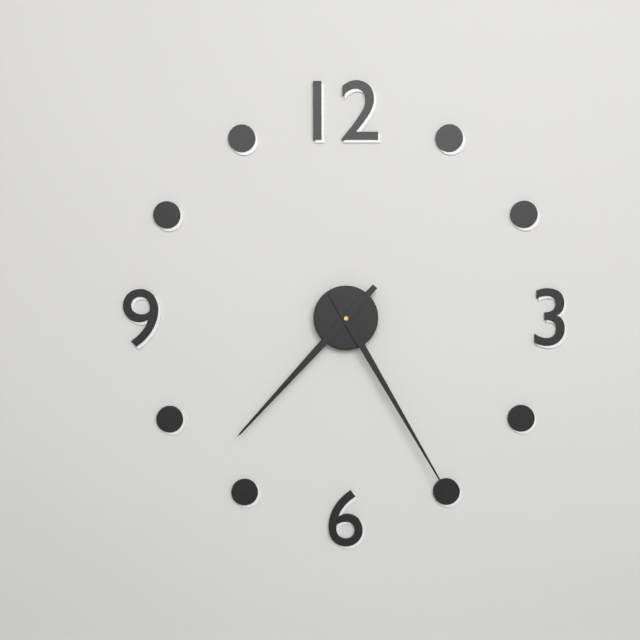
**7:25**
